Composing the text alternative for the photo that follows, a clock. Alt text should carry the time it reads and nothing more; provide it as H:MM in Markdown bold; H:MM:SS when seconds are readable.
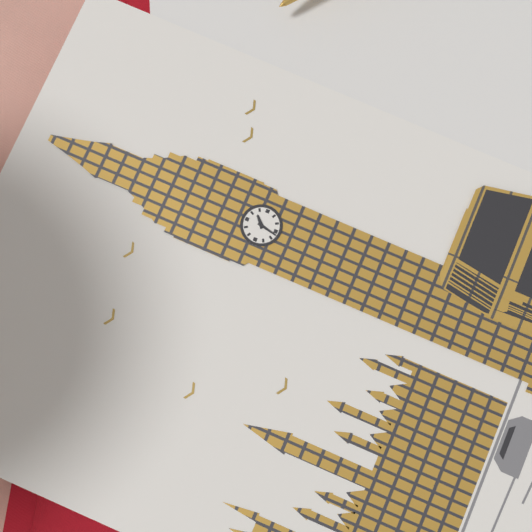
**1:32**
